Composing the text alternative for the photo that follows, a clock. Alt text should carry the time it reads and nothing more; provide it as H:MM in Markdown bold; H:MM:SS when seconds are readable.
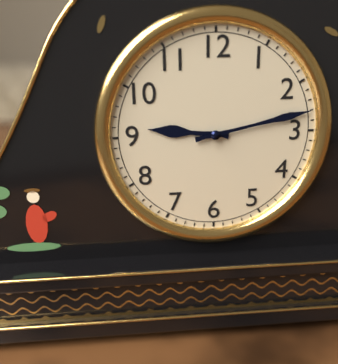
**9:13**
